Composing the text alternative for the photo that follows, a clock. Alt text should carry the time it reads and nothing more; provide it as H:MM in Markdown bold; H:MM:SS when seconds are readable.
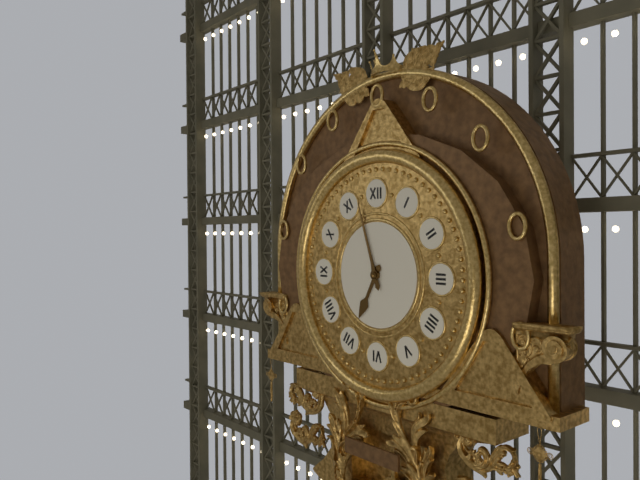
**6:57**
